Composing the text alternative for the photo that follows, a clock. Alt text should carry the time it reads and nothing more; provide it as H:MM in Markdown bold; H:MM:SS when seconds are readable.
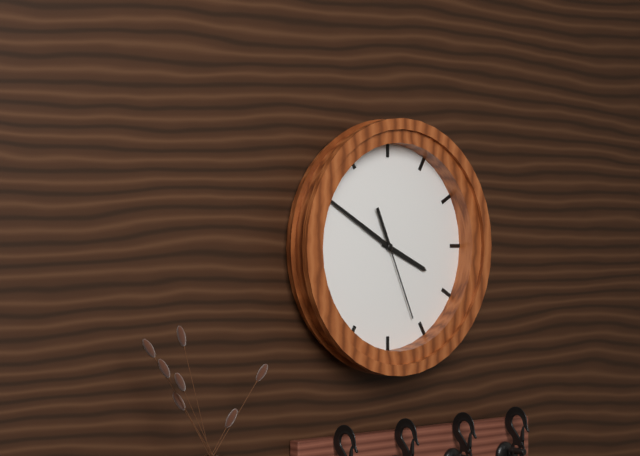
**3:50:26**
